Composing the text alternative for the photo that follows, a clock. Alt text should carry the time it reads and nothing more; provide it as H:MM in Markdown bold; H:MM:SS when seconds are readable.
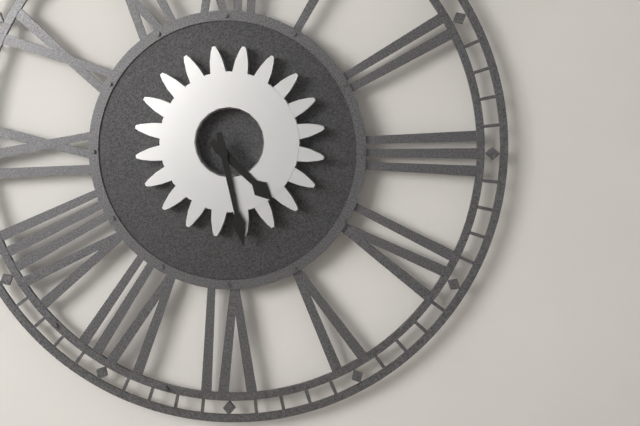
**4:28**
